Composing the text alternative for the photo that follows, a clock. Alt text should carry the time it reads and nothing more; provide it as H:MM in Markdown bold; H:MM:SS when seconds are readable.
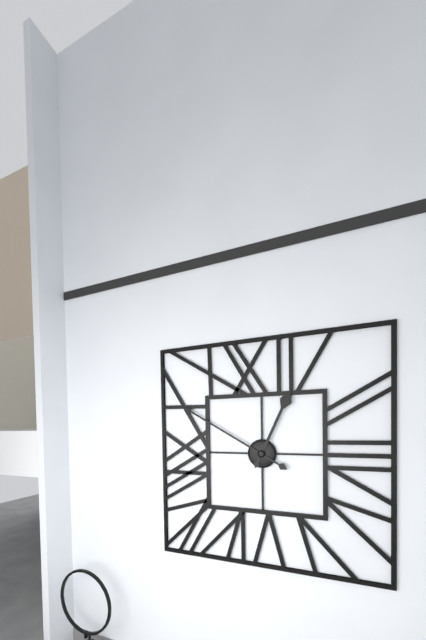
**12:50**
